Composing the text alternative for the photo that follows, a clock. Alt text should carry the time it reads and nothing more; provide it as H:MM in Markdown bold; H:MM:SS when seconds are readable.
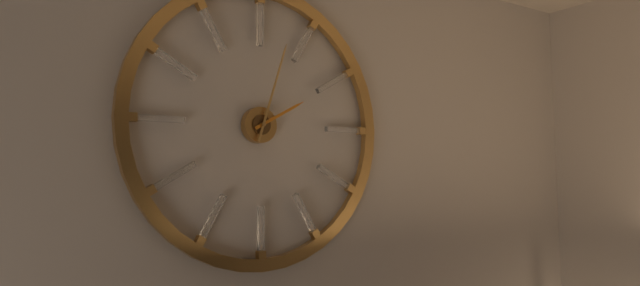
**2:03**
